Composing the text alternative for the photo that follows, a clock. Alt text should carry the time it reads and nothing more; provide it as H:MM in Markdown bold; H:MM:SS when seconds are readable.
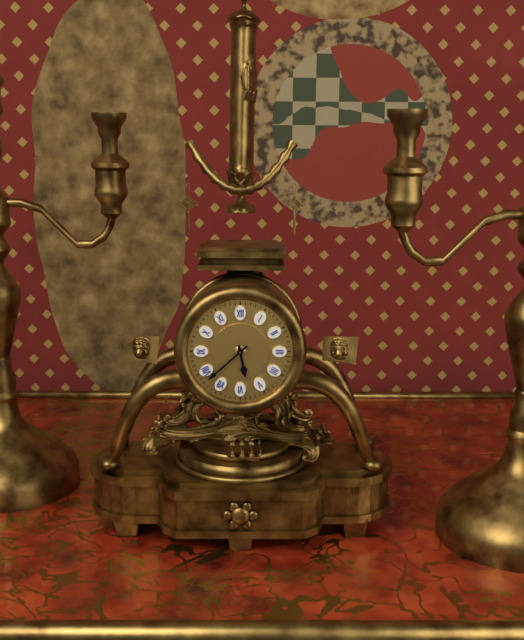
**5:38**
